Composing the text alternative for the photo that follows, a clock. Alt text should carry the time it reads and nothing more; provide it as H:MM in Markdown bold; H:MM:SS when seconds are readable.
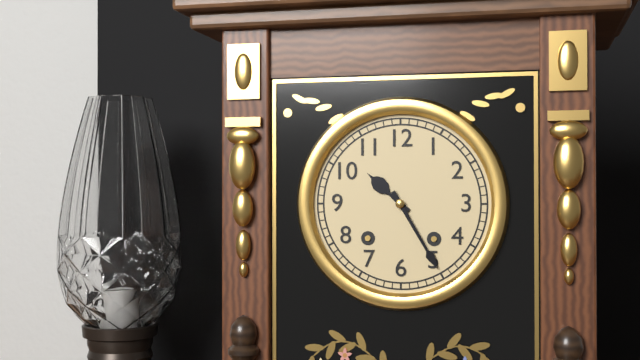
**10:25**
